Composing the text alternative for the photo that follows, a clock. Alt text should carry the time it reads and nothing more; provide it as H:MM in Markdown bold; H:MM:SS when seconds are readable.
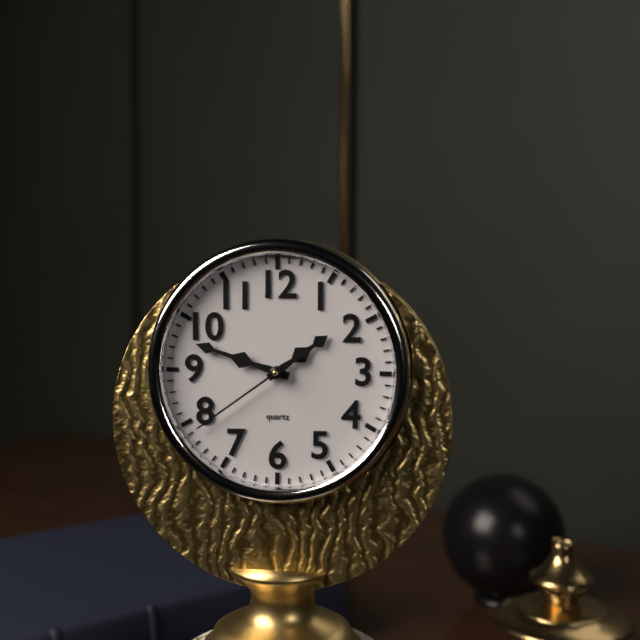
**1:48:39**
